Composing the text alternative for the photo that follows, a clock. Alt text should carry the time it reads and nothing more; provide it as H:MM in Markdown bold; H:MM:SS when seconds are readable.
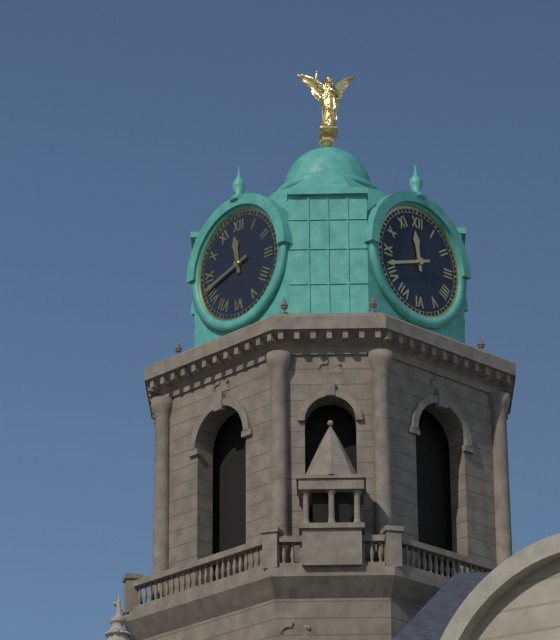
**11:42**
